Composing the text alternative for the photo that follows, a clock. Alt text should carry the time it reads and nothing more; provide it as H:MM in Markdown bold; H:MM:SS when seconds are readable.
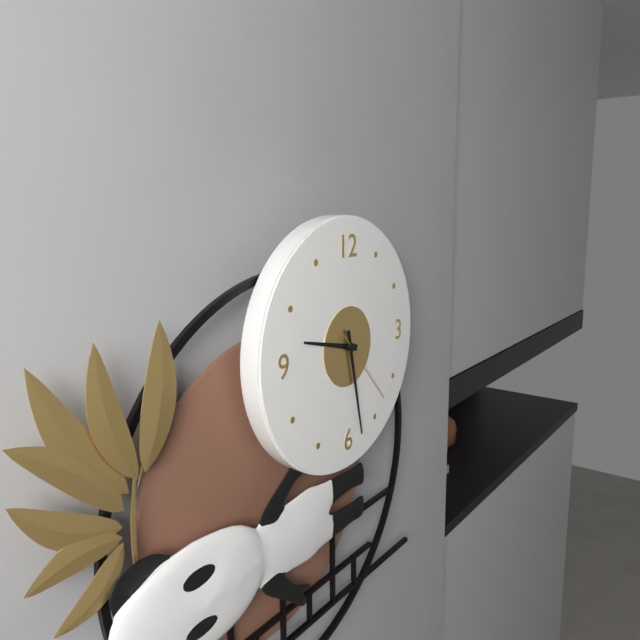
**9:28:23**
